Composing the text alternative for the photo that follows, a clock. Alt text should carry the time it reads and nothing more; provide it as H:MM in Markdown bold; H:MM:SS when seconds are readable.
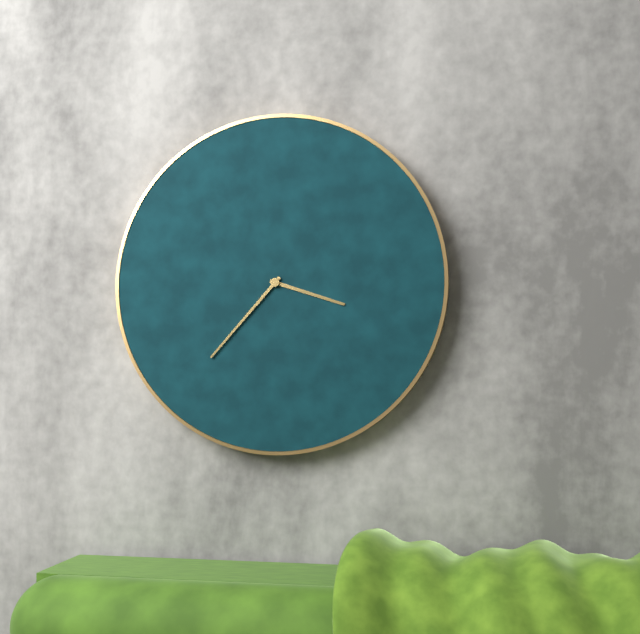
**3:37**
